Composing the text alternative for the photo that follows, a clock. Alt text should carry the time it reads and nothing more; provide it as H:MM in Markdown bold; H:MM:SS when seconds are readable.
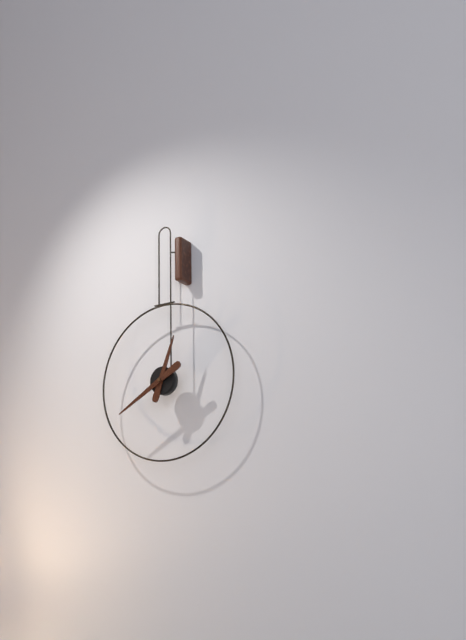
**12:40**
